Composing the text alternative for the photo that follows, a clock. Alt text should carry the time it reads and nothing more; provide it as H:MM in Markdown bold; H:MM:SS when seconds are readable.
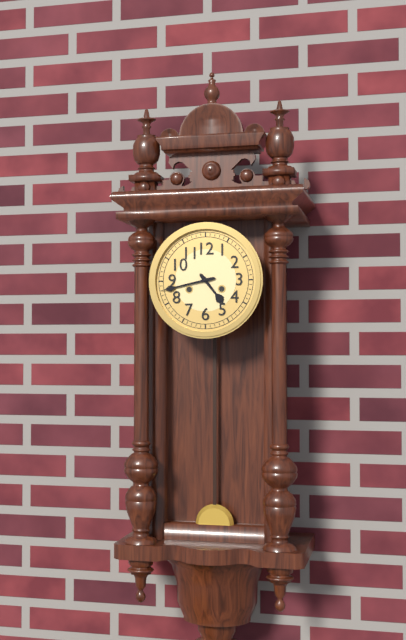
**4:43**
